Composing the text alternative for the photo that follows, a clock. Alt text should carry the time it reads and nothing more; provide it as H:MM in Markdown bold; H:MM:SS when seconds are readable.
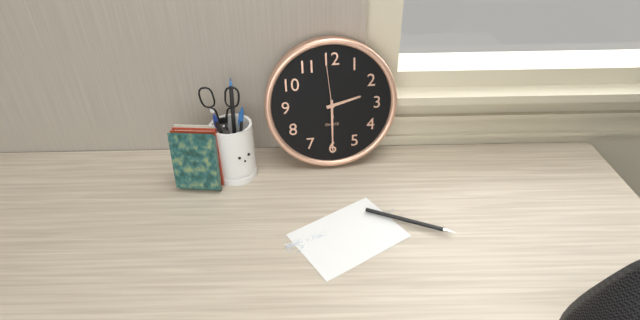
**2:30:59**
